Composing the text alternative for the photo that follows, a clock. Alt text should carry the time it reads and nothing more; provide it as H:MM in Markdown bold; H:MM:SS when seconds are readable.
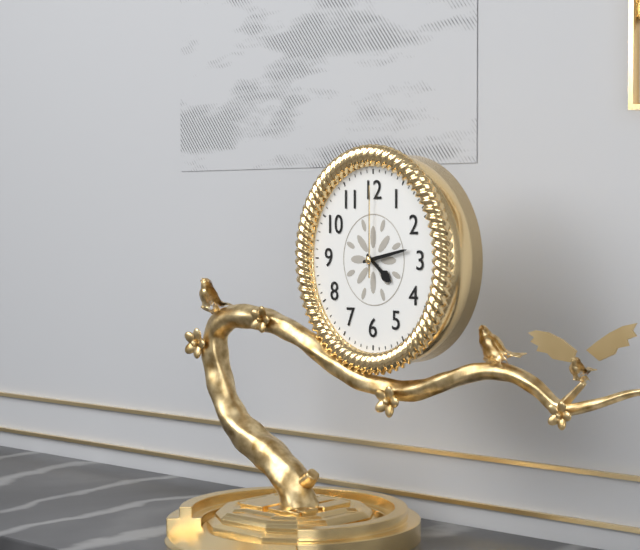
**4:13:00**
